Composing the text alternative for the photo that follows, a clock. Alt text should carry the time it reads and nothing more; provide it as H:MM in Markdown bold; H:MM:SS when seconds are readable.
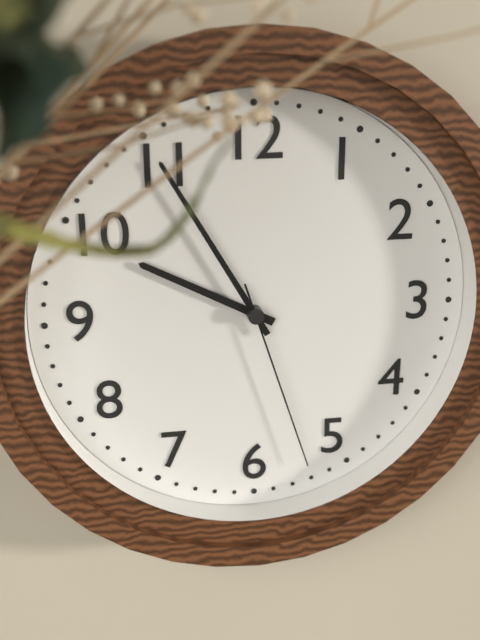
**9:55:27**
